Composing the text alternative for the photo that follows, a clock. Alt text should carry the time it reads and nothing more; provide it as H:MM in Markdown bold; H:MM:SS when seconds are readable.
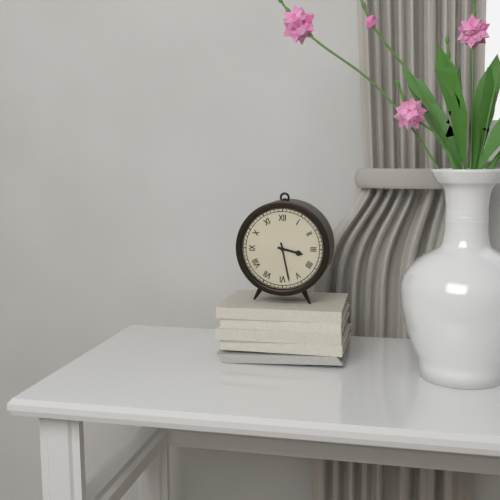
**3:28**
